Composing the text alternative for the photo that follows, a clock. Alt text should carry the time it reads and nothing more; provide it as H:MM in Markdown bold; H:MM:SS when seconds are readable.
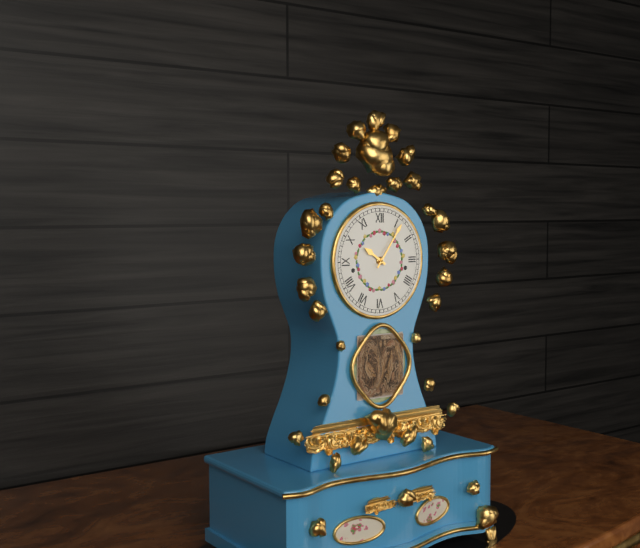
**10:06**
